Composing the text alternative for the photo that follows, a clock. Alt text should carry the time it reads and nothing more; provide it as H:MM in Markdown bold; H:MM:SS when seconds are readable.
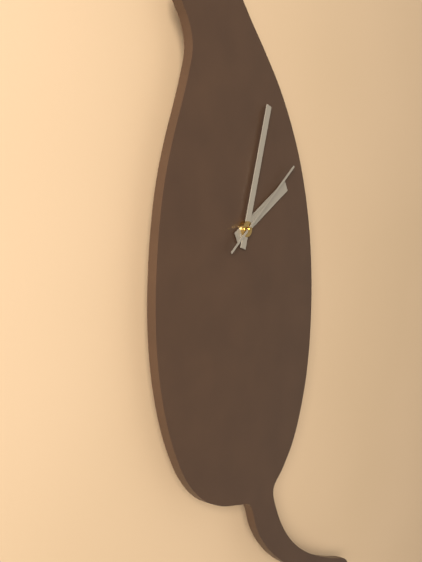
**2:03:09**
